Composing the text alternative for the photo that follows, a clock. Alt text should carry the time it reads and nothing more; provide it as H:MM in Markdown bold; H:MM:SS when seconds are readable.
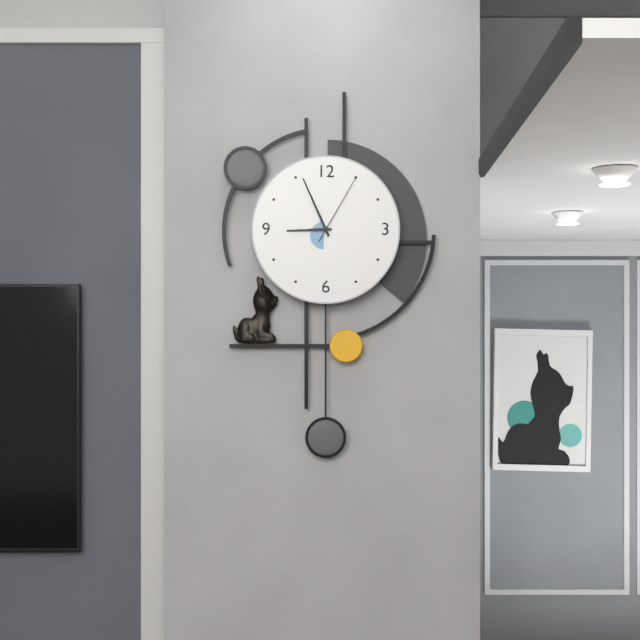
**8:56:05**
